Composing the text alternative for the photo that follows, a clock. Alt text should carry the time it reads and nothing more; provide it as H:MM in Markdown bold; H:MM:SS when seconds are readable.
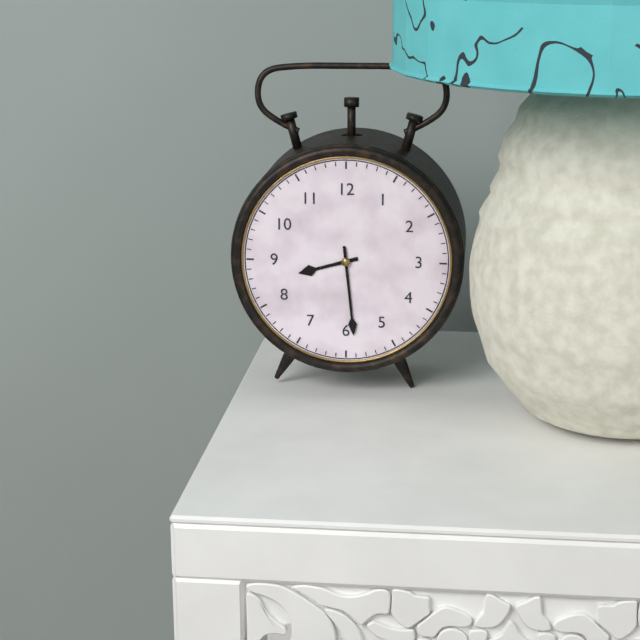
**8:29**
